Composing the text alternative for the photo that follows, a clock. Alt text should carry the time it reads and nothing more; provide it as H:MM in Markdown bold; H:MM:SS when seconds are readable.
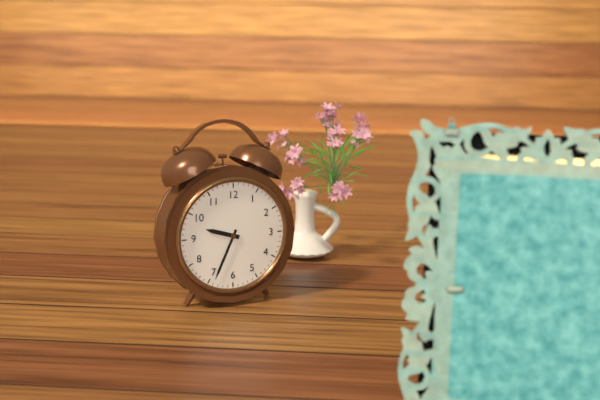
**9:34**
